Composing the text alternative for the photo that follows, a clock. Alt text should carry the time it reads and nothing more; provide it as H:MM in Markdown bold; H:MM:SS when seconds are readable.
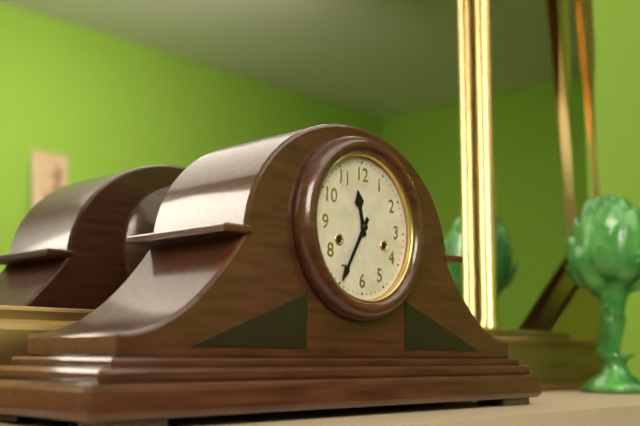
**11:35**
